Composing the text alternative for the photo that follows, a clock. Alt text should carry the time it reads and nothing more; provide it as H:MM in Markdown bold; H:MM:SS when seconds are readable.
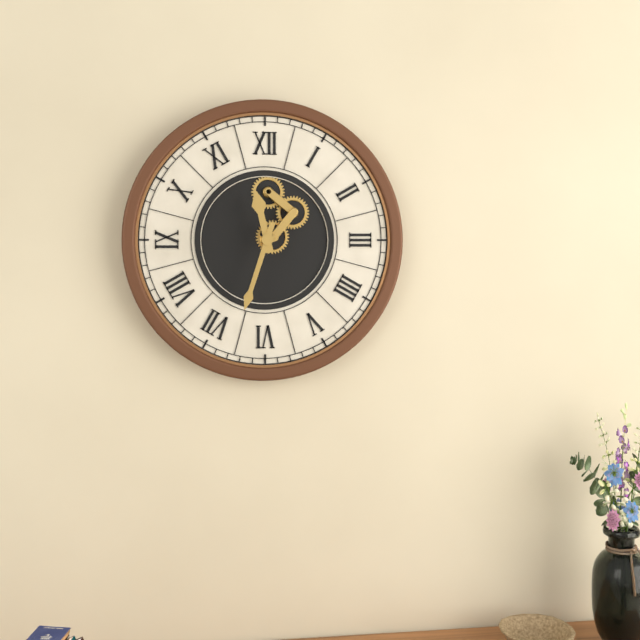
**11:33**
